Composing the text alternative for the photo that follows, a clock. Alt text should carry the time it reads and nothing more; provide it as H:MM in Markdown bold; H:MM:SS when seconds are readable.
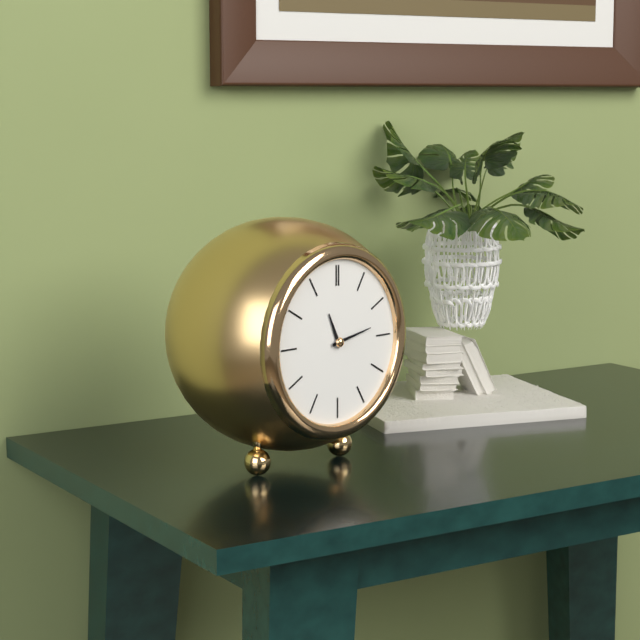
**11:13**
